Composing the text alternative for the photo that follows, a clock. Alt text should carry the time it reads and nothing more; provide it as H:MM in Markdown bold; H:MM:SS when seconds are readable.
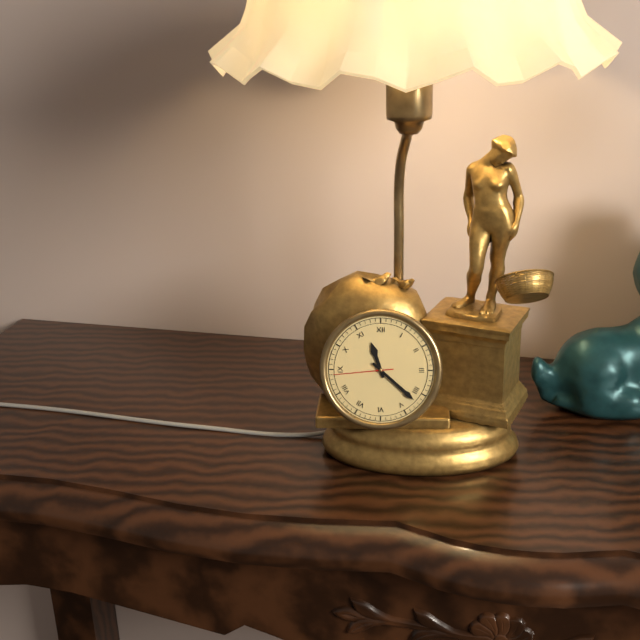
**11:22:44**
